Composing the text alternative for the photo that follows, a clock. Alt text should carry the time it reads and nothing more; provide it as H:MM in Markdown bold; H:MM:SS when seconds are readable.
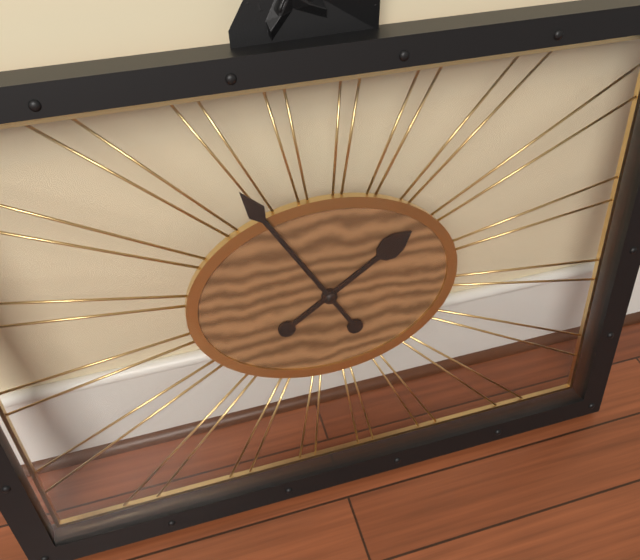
**1:55**
